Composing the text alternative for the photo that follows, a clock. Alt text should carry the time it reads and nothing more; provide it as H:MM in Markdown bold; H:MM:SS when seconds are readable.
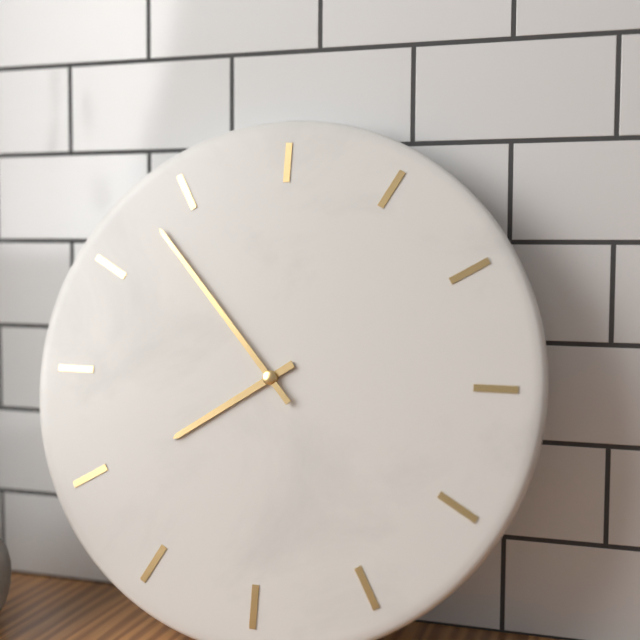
**7:53**
